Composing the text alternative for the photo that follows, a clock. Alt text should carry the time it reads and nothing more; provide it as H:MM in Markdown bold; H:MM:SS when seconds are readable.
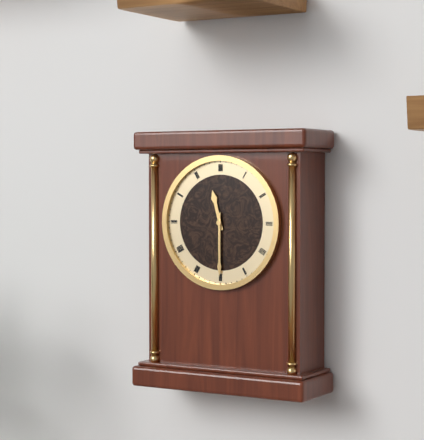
**11:30**
